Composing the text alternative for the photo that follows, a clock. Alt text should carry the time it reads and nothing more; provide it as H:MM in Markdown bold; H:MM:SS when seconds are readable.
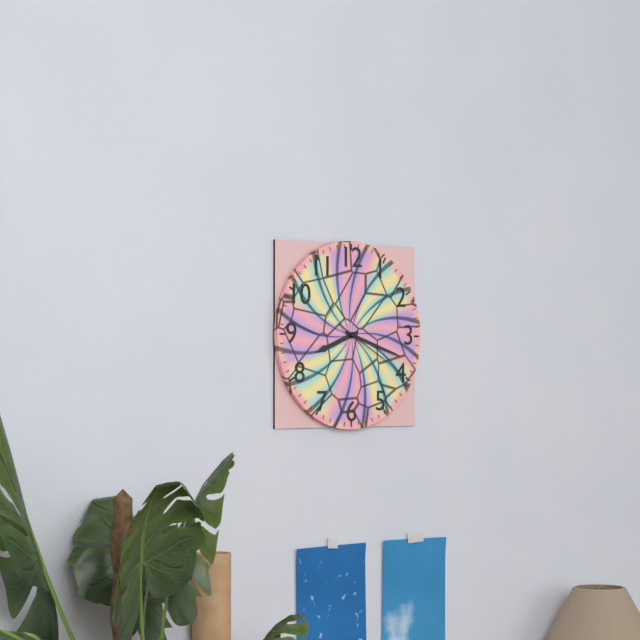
**8:18:20**
